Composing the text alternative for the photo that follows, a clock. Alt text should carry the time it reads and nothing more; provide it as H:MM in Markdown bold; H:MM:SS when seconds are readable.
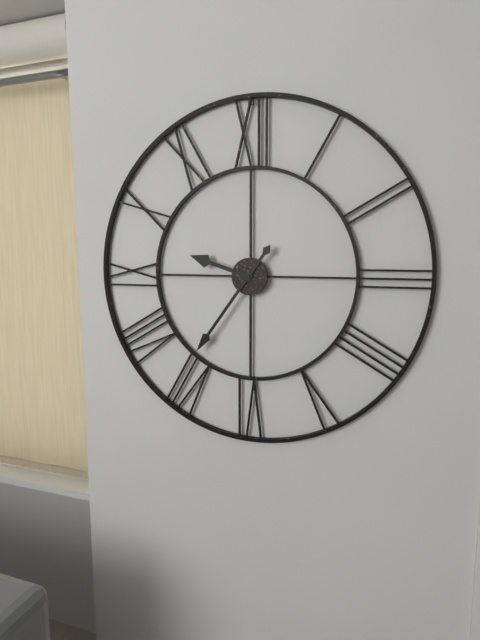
**9:36**
